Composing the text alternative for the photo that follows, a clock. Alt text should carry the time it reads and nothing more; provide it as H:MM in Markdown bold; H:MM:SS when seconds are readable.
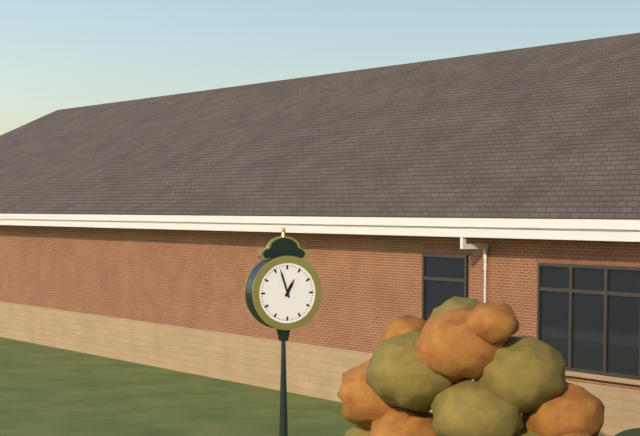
**12:57**
